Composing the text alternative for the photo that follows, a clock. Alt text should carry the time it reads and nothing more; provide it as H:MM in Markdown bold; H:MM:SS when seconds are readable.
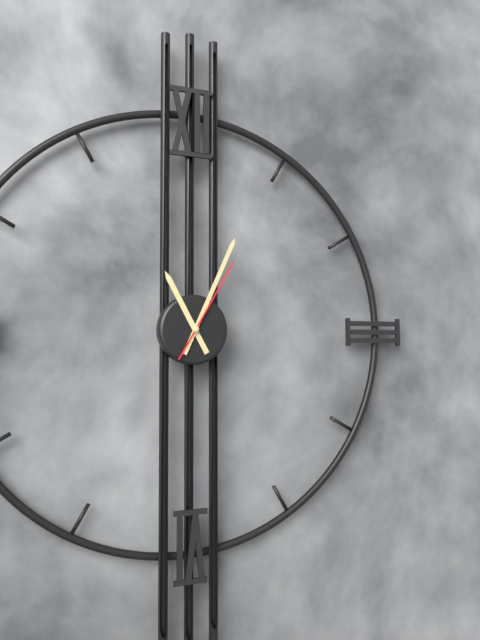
**11:04:05**
